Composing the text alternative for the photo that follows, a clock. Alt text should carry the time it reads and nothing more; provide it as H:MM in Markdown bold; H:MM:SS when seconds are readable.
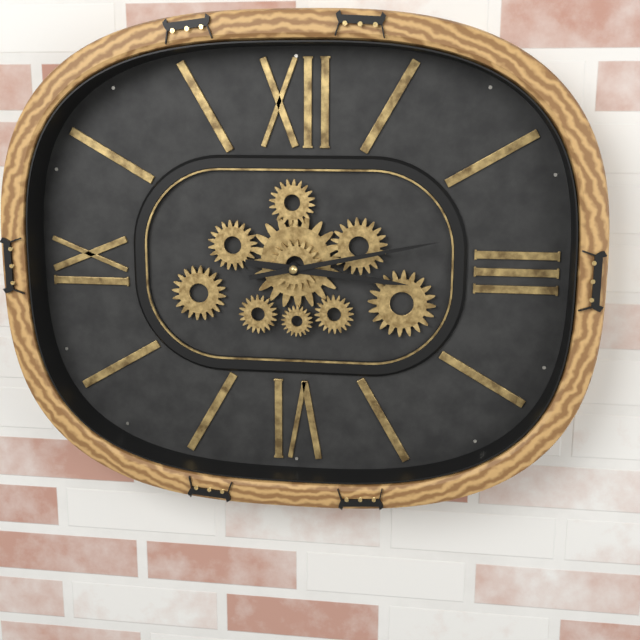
**3:13**
